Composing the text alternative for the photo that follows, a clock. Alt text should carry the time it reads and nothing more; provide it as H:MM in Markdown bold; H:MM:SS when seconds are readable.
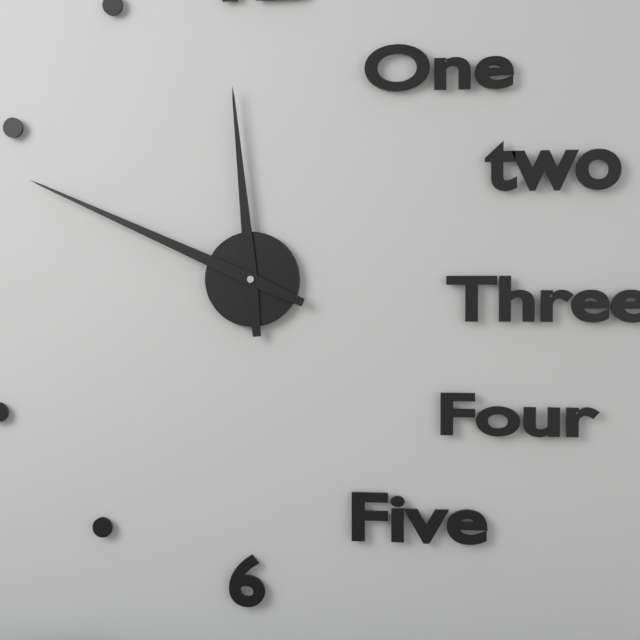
**11:49**
